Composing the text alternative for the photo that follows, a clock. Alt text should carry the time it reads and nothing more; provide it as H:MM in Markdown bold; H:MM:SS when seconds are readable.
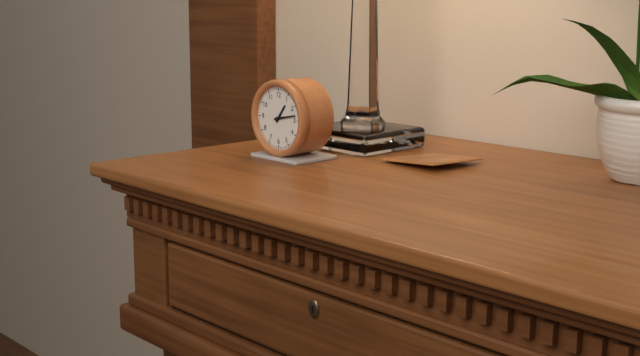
**1:13**
